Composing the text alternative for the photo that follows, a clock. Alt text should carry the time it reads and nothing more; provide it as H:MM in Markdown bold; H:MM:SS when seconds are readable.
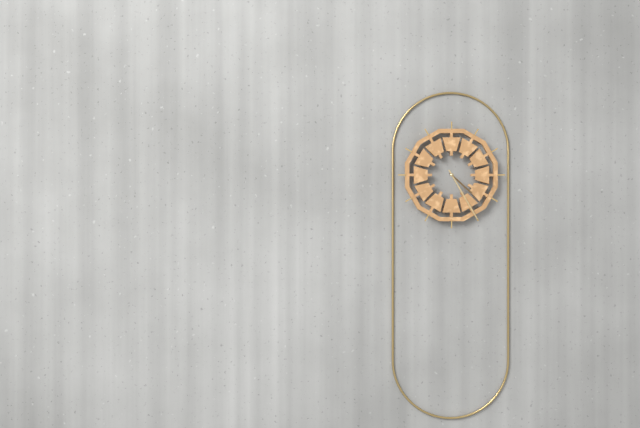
**4:25**
